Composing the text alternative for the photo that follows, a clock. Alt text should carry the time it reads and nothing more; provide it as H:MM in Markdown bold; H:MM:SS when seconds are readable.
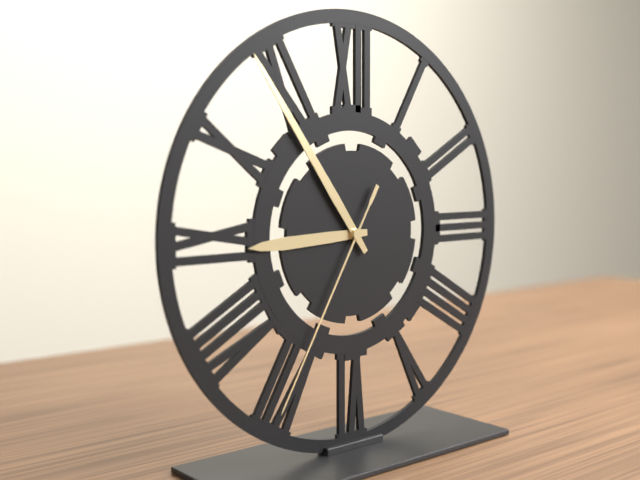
**8:54:35**
